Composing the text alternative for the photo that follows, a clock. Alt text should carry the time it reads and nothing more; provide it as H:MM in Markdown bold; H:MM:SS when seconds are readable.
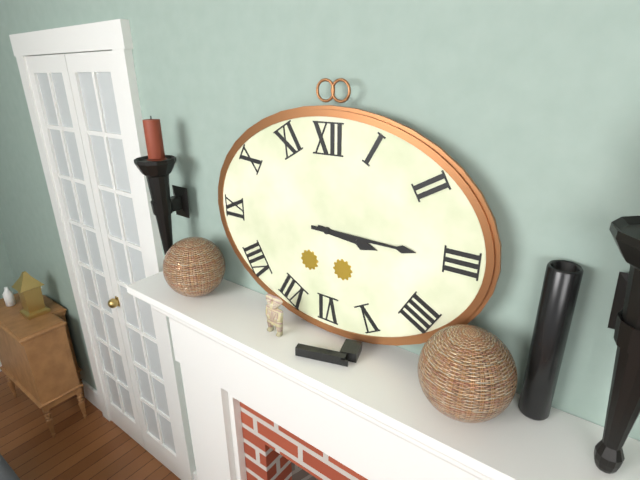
**3:15**
